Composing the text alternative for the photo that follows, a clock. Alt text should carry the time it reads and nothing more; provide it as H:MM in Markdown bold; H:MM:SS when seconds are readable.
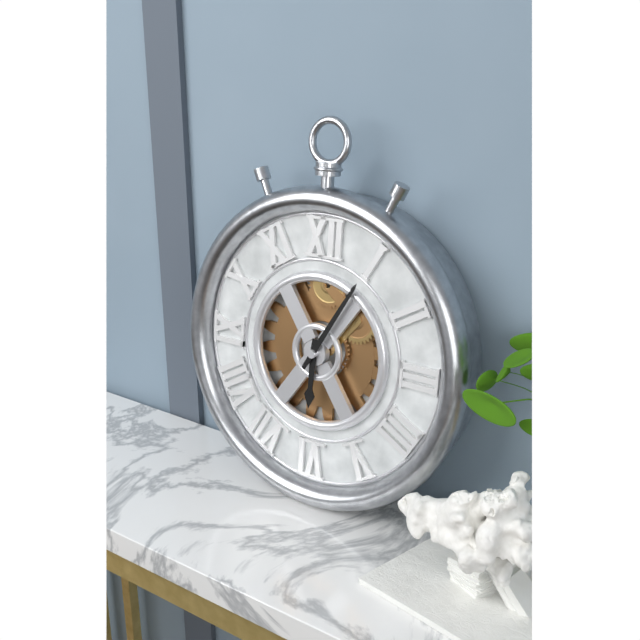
**6:05**
